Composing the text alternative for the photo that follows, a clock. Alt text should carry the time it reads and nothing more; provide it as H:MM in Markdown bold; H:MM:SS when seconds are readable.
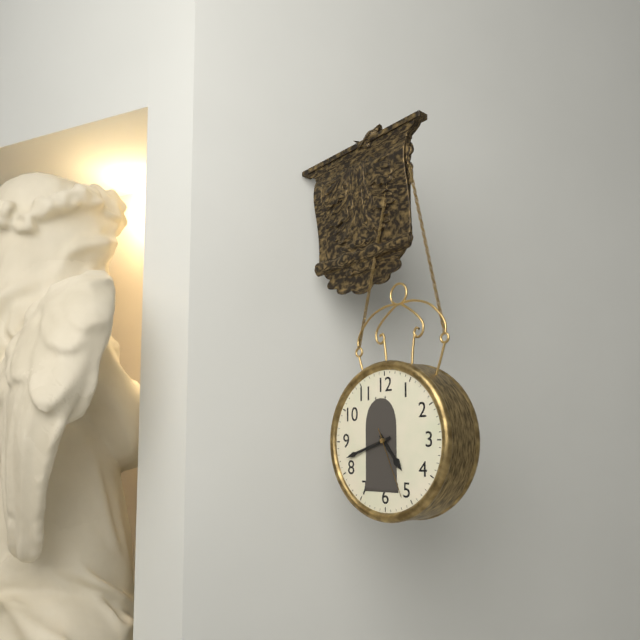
**4:42:26**
